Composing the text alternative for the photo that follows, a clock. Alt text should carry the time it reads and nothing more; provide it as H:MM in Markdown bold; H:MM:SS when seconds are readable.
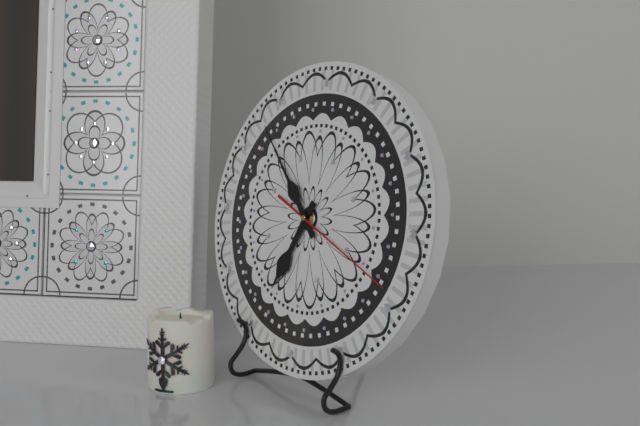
**6:53:19**
